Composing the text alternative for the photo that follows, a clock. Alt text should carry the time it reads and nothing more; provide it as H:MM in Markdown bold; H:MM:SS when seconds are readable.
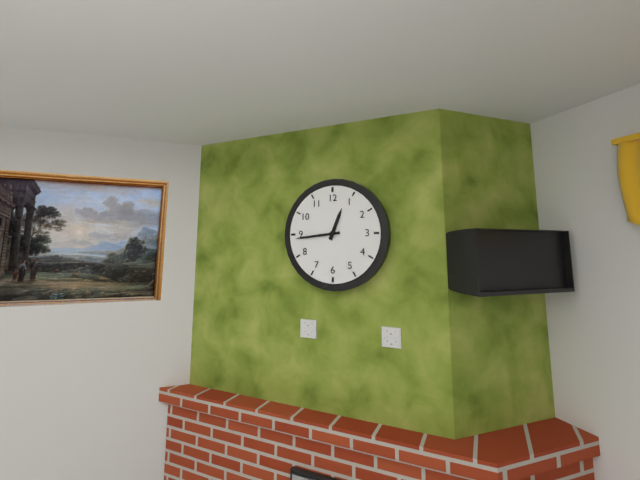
**12:44**
